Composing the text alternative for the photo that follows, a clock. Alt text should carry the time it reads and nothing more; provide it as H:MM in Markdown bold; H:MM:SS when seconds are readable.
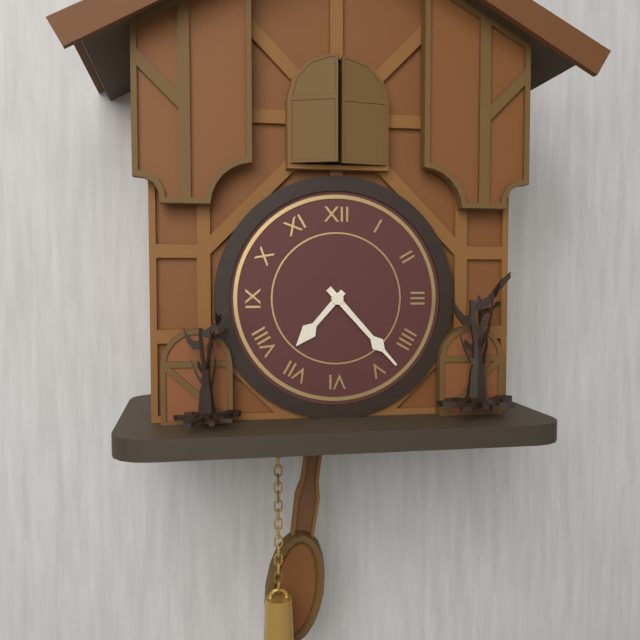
**7:23**
